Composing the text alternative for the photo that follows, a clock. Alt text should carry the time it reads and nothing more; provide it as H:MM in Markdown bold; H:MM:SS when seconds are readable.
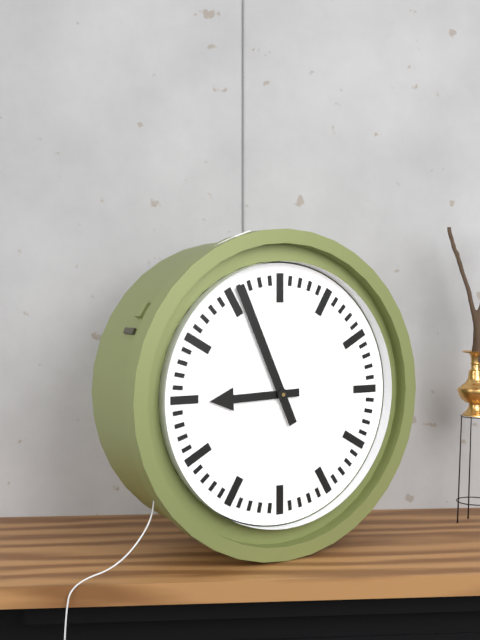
**8:56**
